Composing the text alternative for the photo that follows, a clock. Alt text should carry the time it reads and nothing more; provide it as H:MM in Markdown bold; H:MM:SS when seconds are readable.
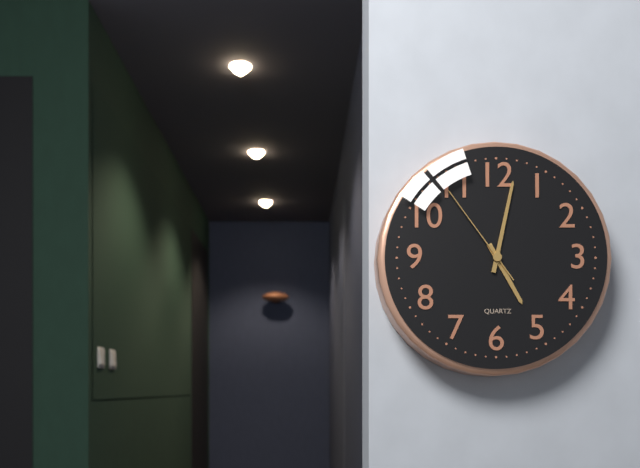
**5:02:54**
